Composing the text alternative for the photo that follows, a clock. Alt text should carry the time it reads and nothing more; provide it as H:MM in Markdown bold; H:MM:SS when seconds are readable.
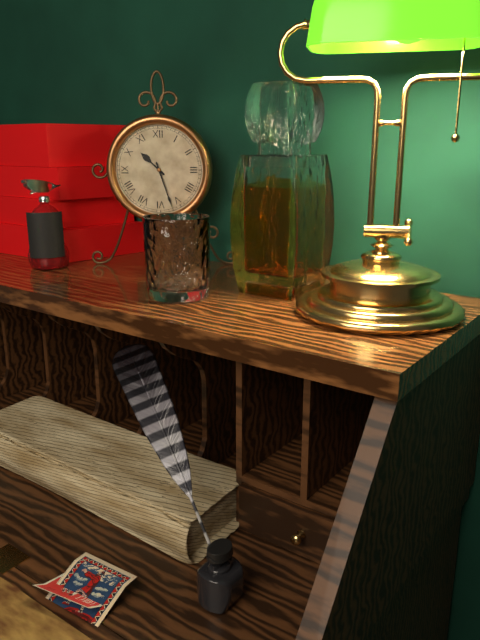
**10:27**
